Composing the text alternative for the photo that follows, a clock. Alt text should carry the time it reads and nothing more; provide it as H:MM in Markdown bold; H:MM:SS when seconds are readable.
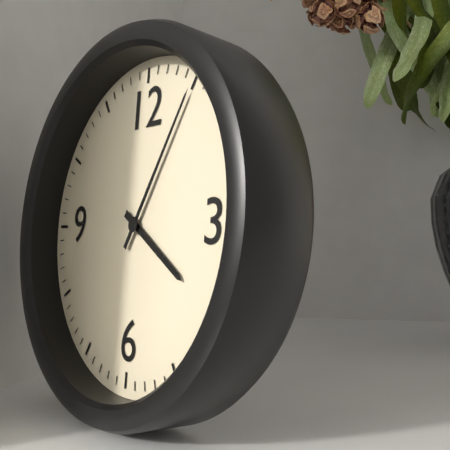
**4:05**
